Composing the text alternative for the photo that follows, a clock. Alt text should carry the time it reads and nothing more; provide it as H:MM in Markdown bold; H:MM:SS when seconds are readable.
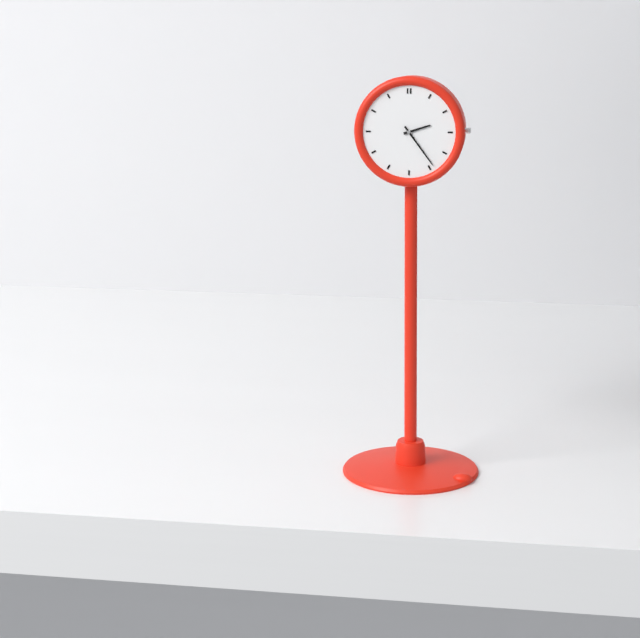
**2:24**
